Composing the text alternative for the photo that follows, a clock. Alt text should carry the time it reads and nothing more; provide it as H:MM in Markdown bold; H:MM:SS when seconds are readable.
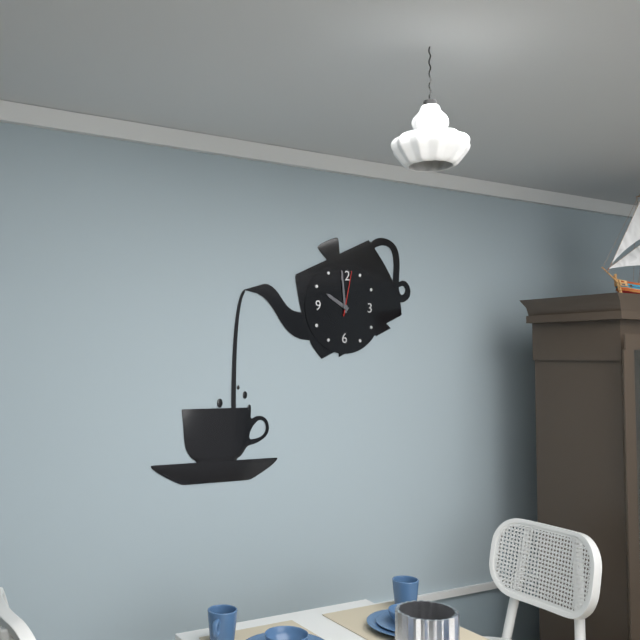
**9:59**
